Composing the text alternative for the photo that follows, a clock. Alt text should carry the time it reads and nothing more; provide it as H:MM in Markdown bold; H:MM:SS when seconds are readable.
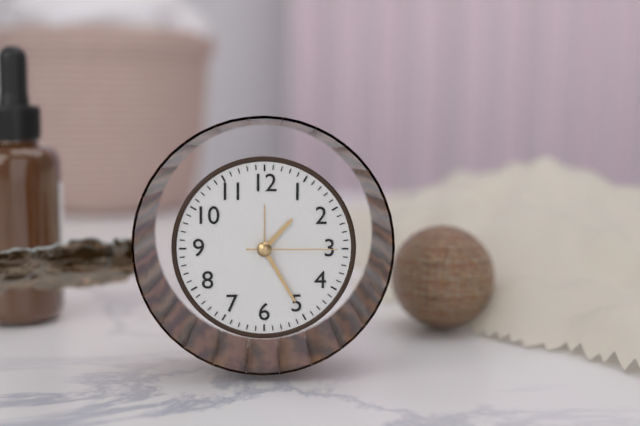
**1:25:15**
